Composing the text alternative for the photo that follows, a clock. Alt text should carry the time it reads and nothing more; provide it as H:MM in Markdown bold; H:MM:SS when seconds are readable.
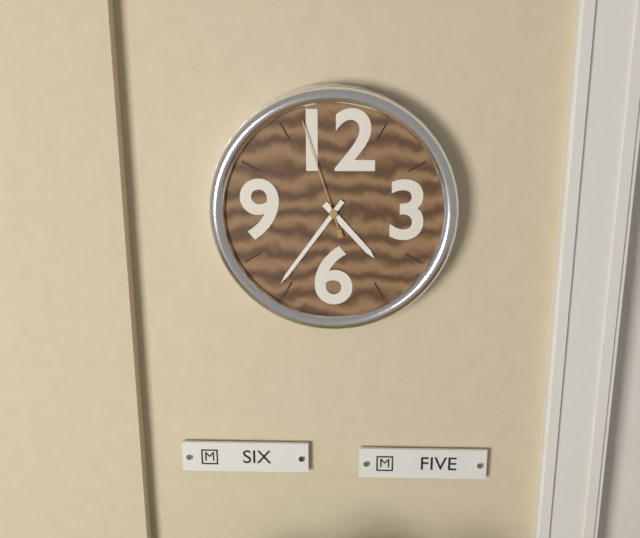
**4:36:57**
